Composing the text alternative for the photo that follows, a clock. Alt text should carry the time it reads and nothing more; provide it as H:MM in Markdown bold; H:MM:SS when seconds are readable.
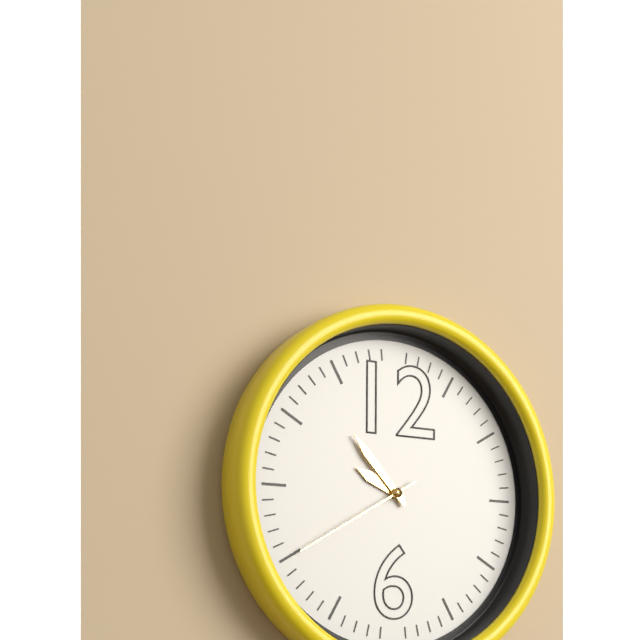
**9:53:40**
